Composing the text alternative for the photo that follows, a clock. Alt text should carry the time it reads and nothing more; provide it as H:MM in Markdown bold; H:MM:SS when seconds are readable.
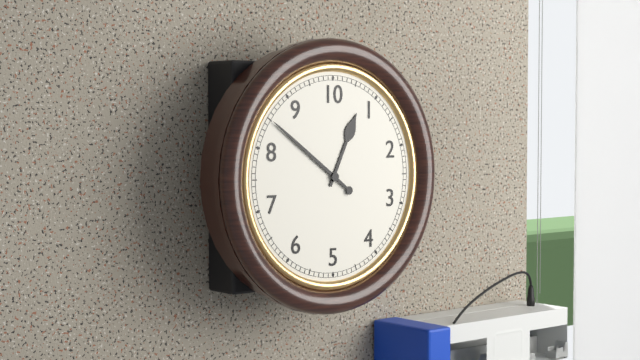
**12:51**
